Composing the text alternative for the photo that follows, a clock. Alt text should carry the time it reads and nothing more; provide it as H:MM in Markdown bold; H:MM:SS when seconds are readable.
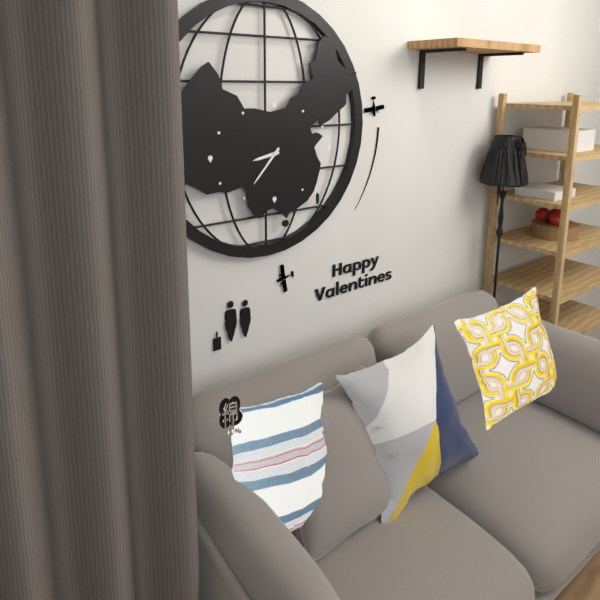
**8:37**
